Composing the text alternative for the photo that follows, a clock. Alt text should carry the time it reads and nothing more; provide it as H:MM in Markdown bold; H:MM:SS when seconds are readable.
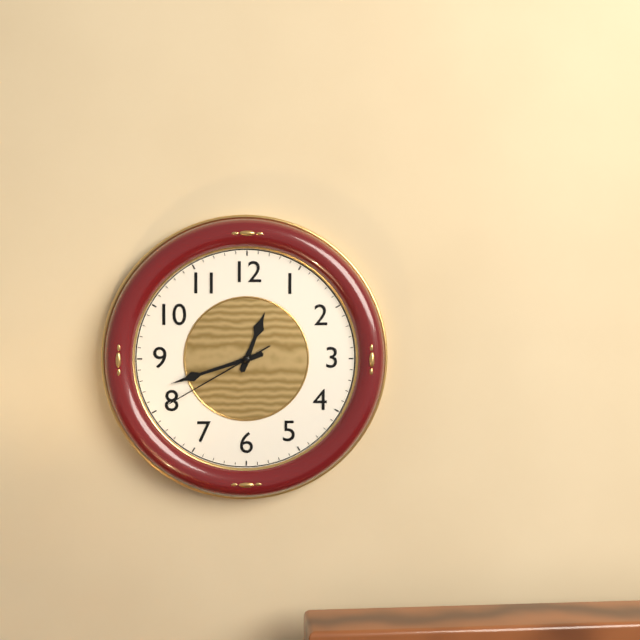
**12:42:40**
